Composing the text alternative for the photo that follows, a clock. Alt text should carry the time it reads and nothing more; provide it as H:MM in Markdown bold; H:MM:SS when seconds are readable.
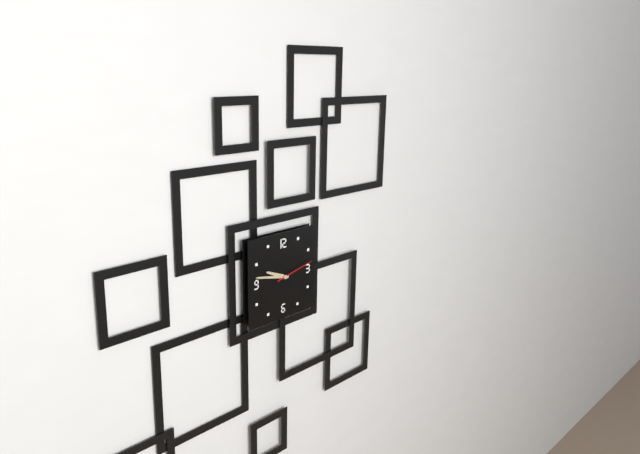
**9:47**
